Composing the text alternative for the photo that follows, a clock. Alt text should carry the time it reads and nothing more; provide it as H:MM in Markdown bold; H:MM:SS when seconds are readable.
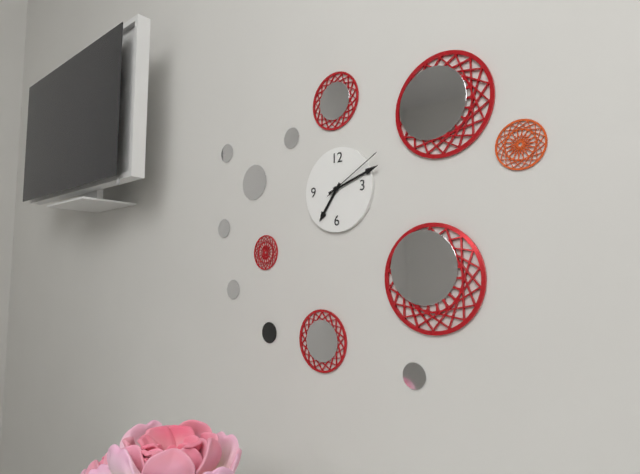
**7:12:10**
